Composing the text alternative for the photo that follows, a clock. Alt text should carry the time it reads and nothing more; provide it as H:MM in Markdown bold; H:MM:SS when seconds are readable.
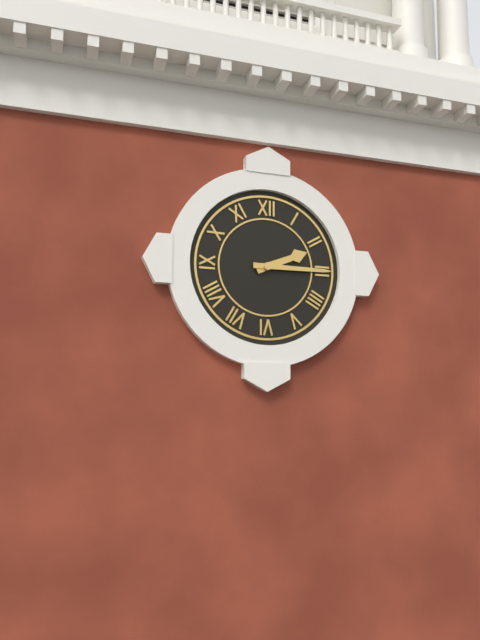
**2:15**
